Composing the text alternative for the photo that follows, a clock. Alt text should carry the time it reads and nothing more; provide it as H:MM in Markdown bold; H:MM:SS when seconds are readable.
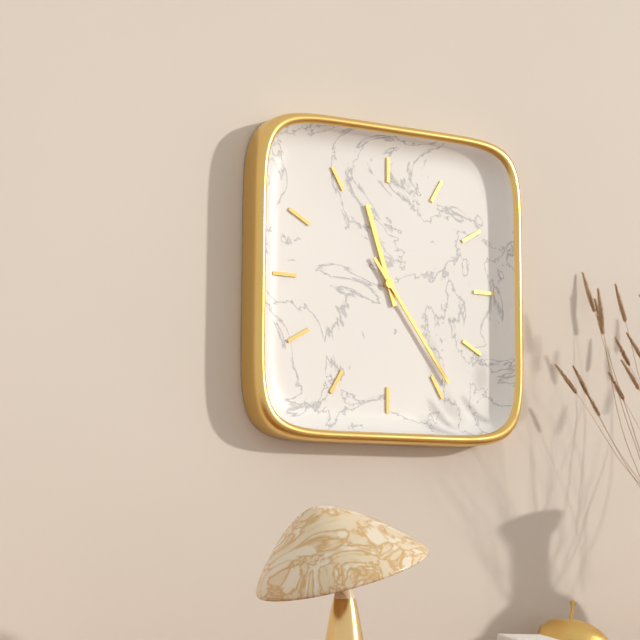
**11:24**
